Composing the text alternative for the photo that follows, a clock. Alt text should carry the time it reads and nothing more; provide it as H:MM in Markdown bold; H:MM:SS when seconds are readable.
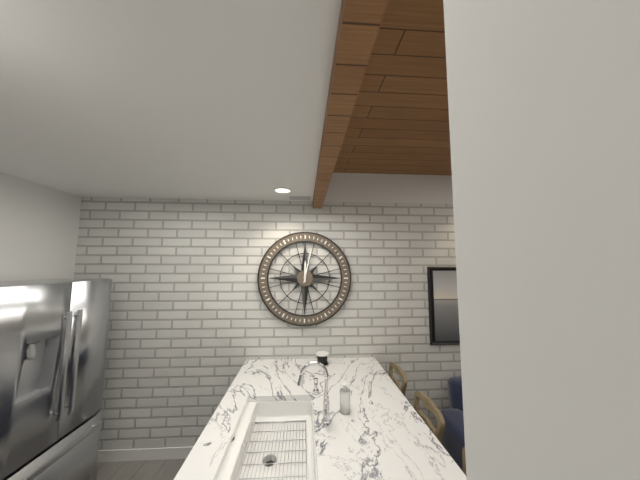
**12:02**
